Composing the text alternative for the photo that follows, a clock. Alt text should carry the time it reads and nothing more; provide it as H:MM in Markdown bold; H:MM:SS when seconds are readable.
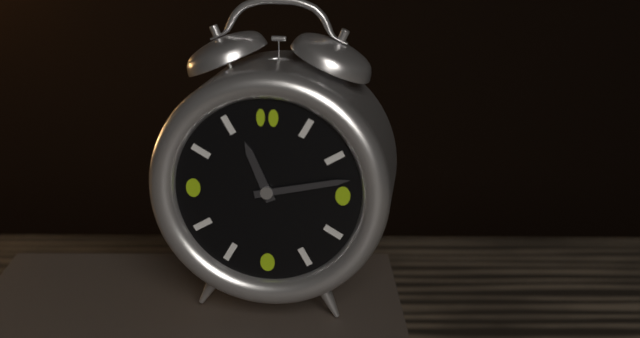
**11:13**
